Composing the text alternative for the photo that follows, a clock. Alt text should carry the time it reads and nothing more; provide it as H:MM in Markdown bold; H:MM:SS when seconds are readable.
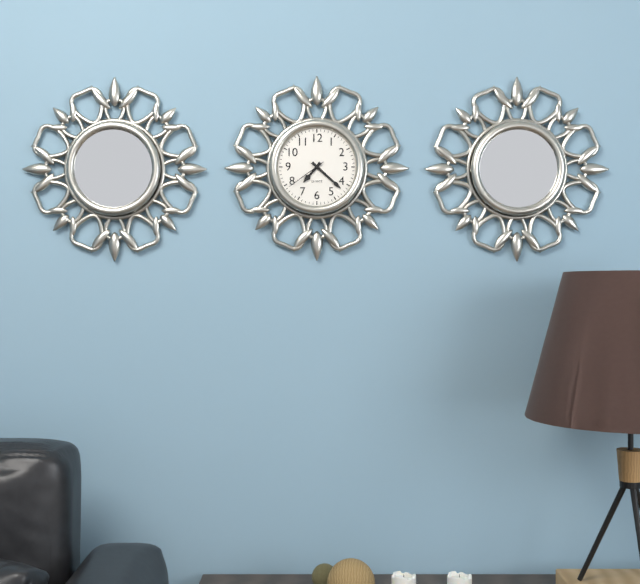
**7:22**
